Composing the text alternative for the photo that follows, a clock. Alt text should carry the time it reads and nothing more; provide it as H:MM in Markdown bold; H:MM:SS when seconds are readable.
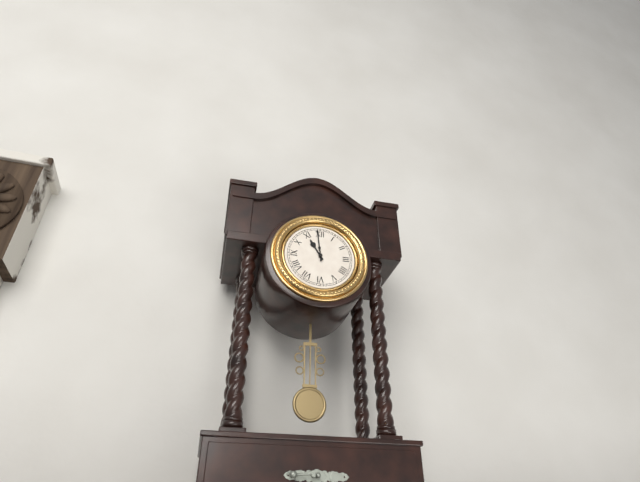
**10:59**
